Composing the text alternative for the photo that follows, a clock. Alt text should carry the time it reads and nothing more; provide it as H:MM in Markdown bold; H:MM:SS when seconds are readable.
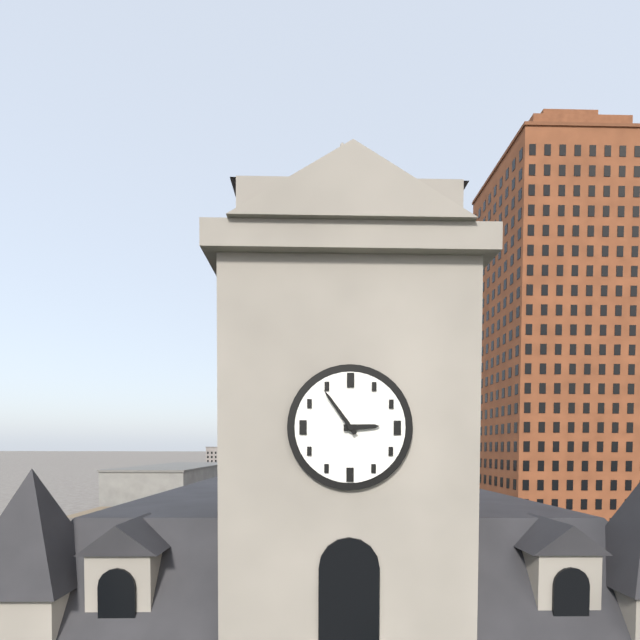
**2:54**
